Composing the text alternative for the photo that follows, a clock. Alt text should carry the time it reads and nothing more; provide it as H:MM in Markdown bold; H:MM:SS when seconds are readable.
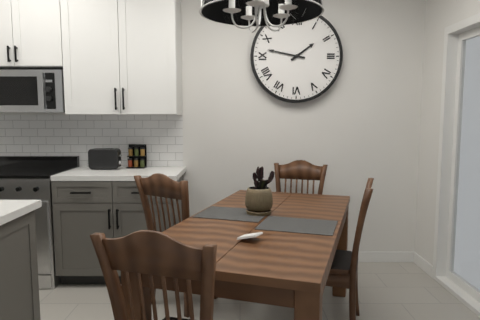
**1:47**
